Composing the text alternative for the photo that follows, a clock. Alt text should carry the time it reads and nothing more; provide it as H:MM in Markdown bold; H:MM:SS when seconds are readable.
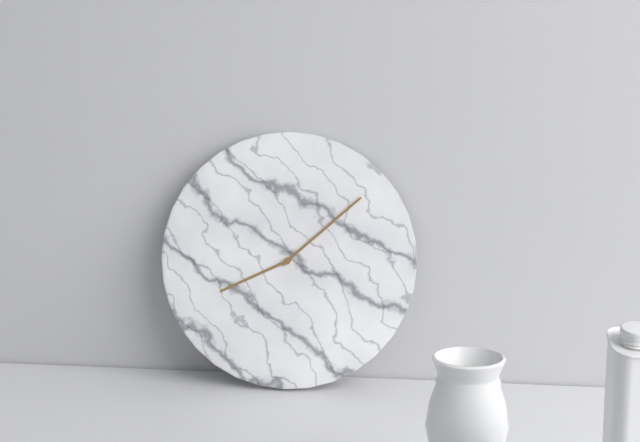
**8:08**
